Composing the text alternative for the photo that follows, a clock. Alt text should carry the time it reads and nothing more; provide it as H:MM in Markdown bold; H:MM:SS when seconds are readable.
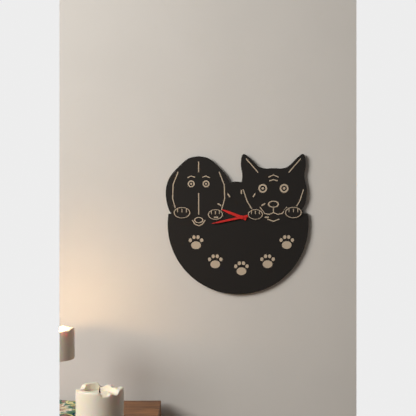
**9:43**
